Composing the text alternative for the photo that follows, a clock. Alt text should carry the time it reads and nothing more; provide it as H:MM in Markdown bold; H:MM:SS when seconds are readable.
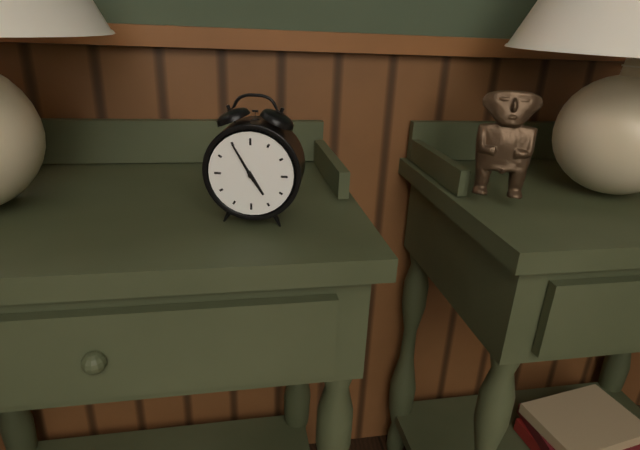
**4:55**
